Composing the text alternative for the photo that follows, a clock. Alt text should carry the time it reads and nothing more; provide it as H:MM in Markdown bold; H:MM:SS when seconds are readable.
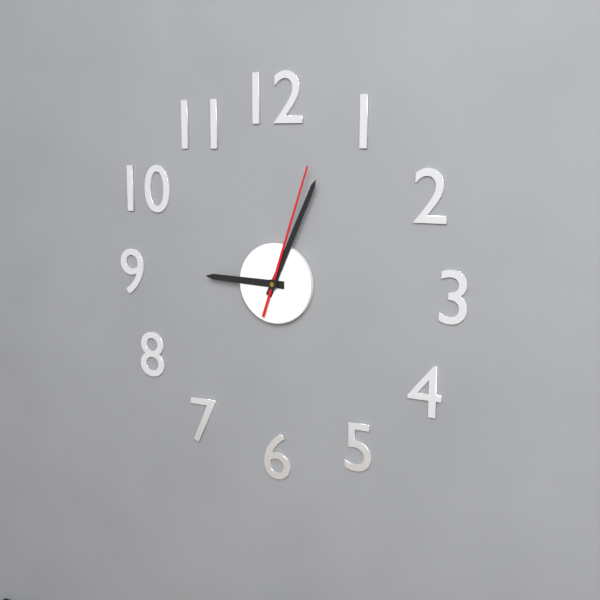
**9:04:03**
